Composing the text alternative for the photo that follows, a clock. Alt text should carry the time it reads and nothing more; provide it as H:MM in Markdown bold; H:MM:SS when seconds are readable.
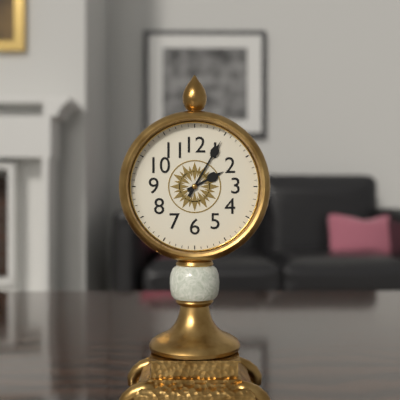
**2:05**
